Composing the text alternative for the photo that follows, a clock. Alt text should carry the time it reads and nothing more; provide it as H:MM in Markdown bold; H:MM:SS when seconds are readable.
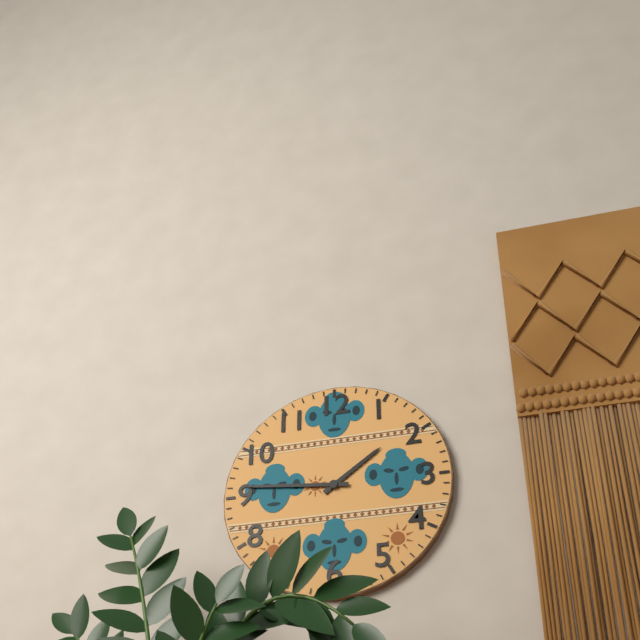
**1:46**
